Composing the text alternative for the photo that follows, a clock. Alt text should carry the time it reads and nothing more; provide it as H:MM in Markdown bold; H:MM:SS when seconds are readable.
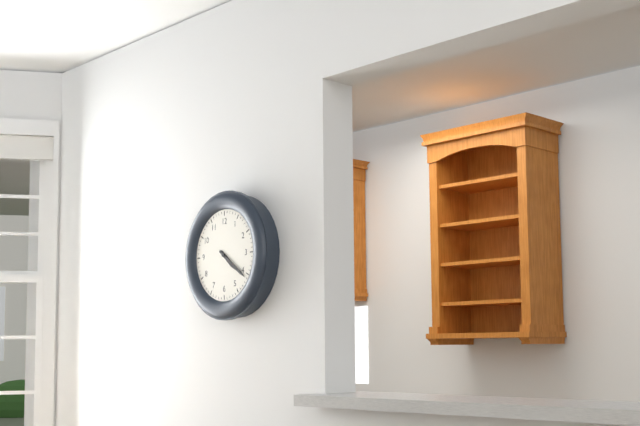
**4:21**
